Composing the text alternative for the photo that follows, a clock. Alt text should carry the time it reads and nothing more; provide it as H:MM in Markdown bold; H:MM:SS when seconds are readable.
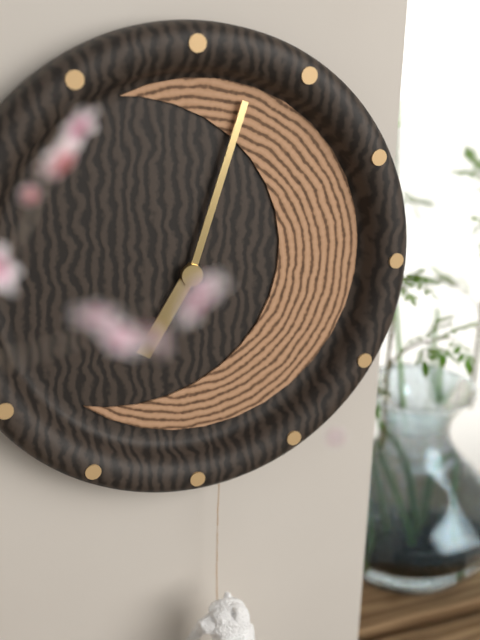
**7:03**
